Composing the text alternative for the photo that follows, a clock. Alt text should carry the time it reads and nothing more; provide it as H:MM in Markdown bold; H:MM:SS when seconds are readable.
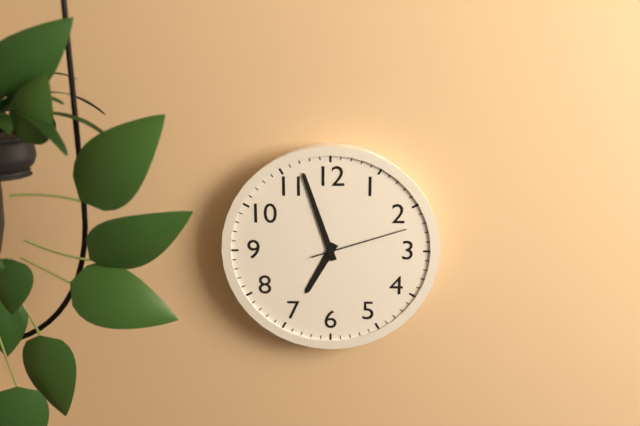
**6:57:12**
